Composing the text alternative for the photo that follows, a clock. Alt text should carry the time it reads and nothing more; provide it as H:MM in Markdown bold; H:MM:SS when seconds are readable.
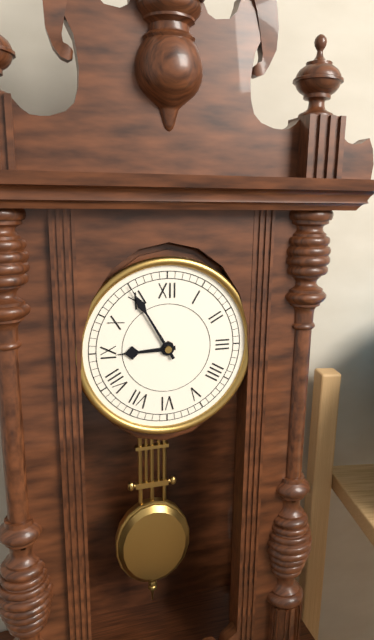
**8:55**
